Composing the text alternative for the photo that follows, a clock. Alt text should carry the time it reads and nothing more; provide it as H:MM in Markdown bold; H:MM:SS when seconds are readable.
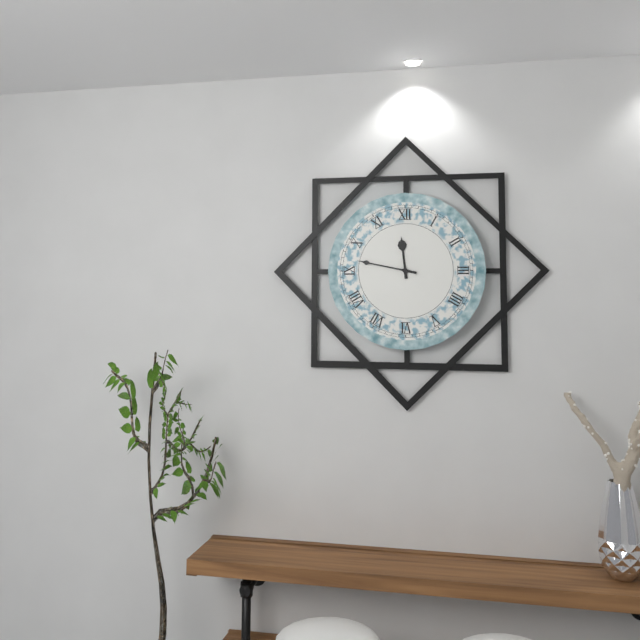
**11:47**
